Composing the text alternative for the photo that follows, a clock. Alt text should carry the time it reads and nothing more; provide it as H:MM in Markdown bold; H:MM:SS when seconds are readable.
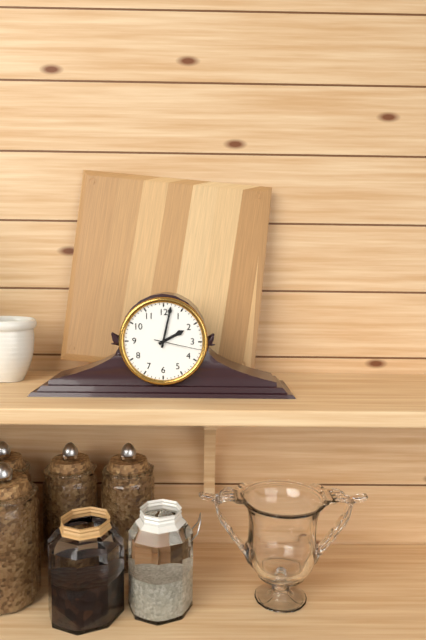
**2:02**
